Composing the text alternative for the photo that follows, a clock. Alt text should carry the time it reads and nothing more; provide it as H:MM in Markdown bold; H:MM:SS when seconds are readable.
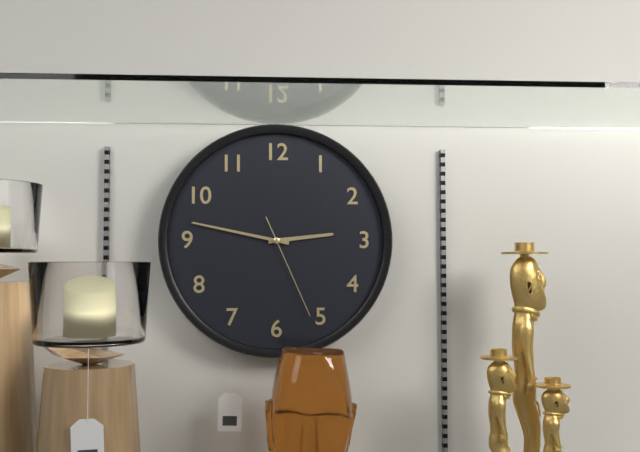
**2:47:26**
